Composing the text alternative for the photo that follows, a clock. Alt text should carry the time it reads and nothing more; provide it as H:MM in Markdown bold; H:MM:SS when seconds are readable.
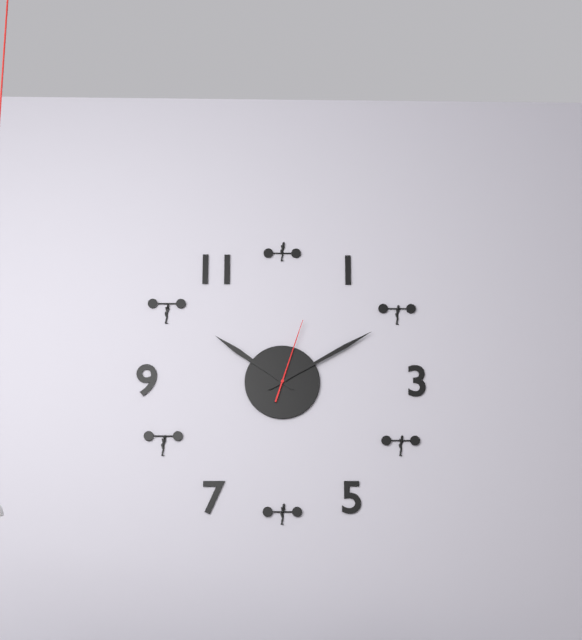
**10:10:03**
